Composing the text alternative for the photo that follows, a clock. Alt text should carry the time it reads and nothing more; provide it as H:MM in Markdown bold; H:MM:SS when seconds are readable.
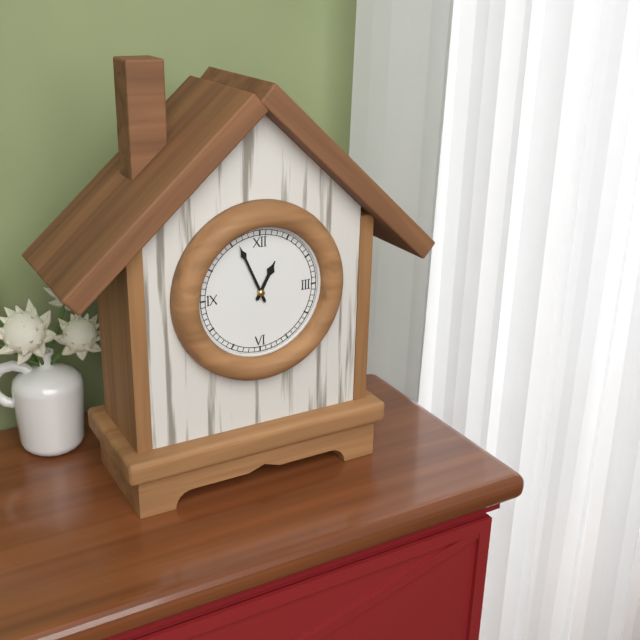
**12:56**
